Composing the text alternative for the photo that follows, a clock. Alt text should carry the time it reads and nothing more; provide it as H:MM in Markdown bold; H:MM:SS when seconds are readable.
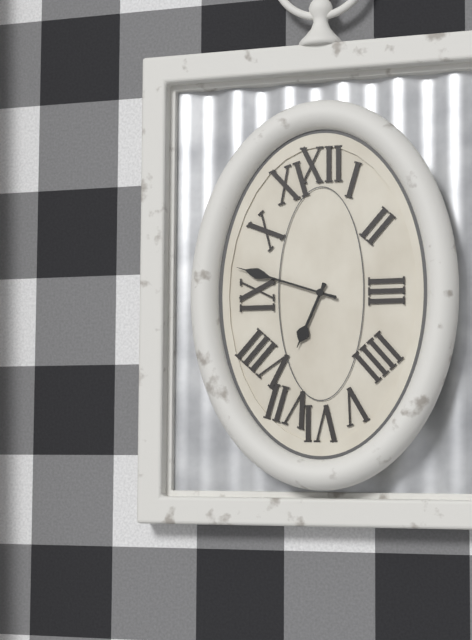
**6:48**
